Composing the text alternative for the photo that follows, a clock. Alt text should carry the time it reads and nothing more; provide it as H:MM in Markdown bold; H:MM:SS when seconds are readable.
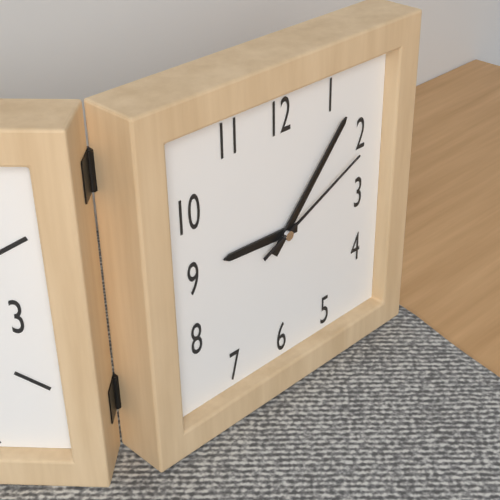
**9:07:11**
